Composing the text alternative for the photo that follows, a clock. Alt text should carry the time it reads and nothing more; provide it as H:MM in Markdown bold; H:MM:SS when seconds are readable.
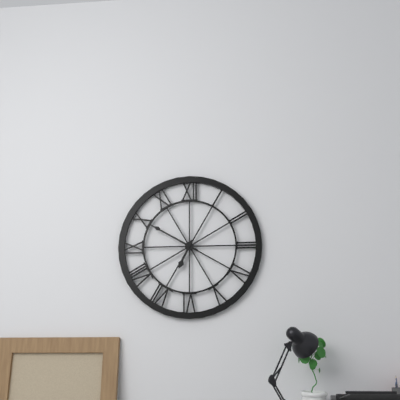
**6:50**
